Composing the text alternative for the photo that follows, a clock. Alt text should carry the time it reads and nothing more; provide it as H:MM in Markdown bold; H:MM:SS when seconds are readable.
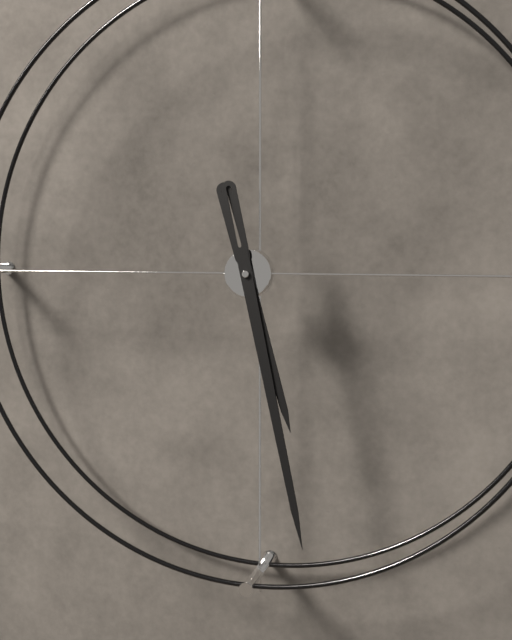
**5:28**
